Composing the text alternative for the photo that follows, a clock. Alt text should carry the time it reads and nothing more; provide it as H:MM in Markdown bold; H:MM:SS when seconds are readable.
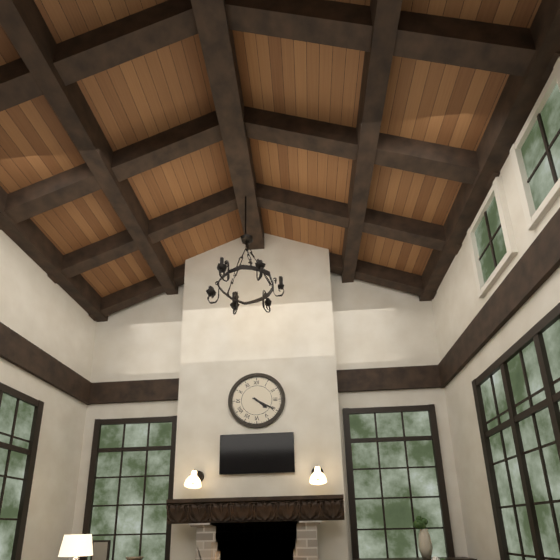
**4:20**
